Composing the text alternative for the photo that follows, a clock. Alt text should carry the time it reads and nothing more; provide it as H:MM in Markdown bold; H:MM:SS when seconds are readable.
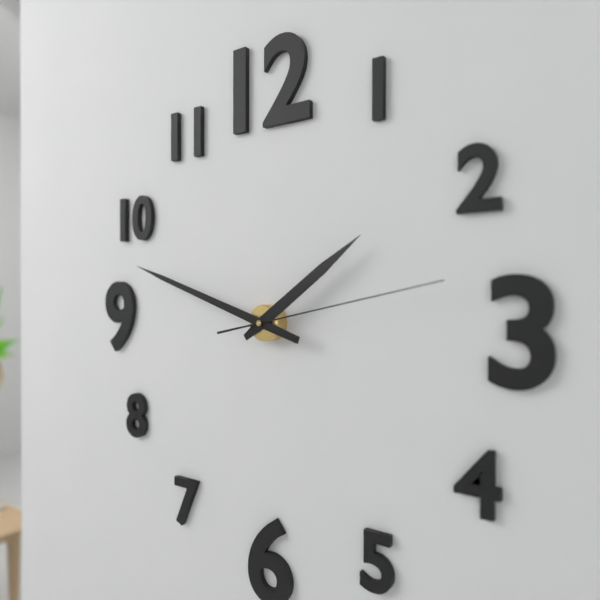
**1:48:13**
